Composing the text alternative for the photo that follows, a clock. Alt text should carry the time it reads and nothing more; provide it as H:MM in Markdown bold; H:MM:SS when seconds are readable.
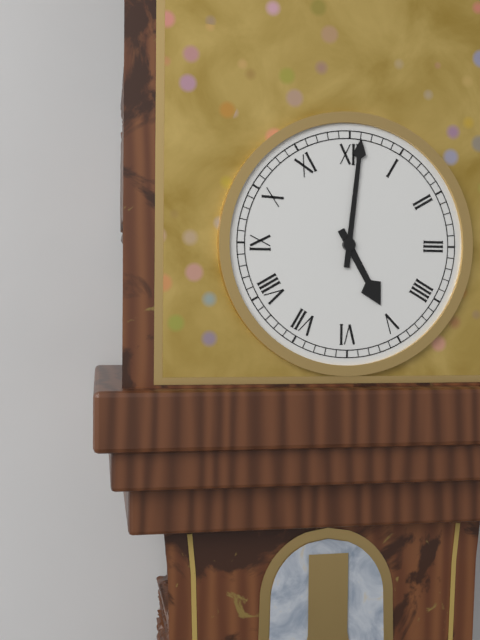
**5:01**
